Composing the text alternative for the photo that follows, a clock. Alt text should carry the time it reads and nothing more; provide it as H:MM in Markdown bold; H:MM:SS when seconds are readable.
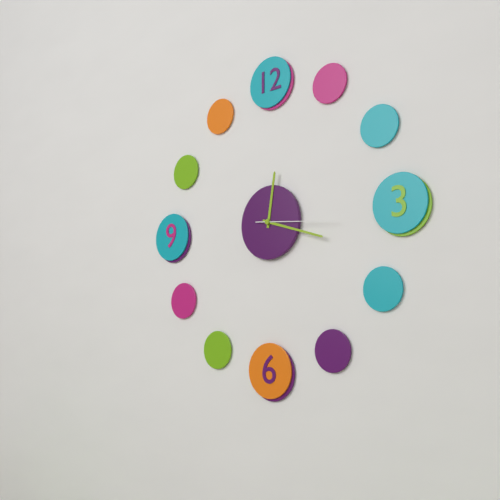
**12:18:16**
